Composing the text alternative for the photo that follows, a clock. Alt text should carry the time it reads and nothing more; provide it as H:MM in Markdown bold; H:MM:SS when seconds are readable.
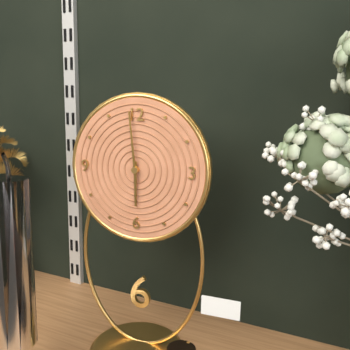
**5:59**
